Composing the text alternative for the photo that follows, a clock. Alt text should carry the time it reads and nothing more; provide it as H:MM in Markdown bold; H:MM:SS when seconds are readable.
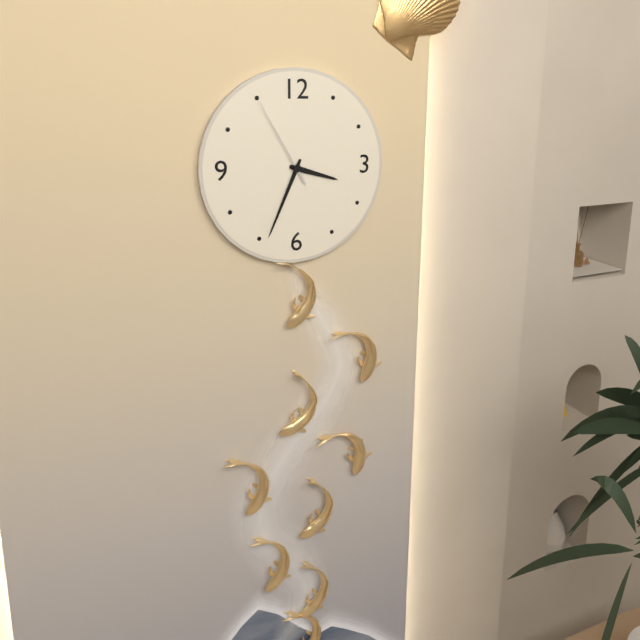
**3:34:55**
